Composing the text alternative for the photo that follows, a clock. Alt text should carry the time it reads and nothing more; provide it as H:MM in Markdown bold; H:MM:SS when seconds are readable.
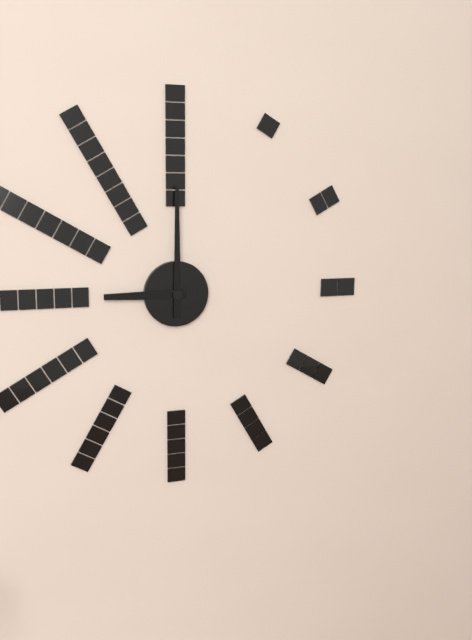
**9:00**
